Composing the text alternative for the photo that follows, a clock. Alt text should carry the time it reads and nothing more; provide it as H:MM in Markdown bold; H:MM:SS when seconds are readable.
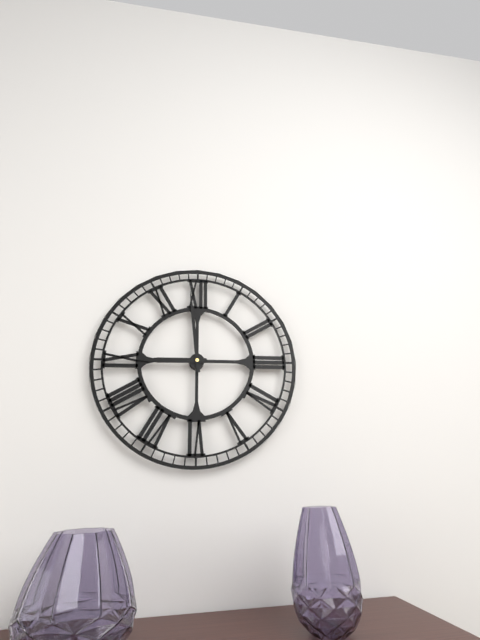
**8:59**
